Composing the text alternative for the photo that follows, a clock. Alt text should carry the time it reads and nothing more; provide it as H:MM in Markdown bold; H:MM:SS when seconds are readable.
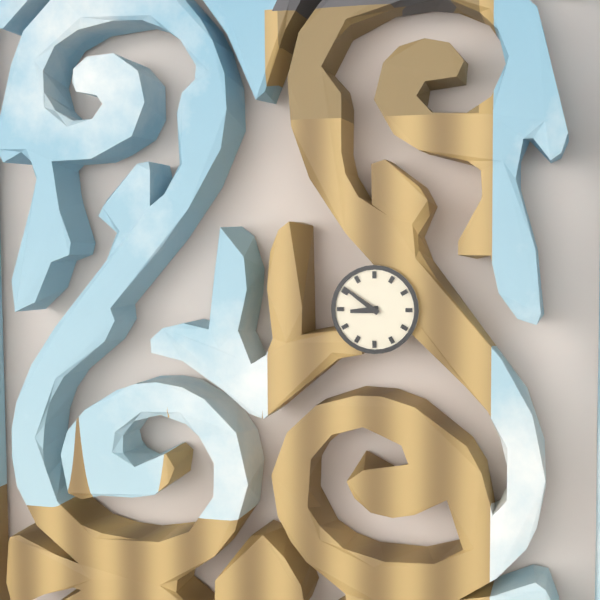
**8:51**
